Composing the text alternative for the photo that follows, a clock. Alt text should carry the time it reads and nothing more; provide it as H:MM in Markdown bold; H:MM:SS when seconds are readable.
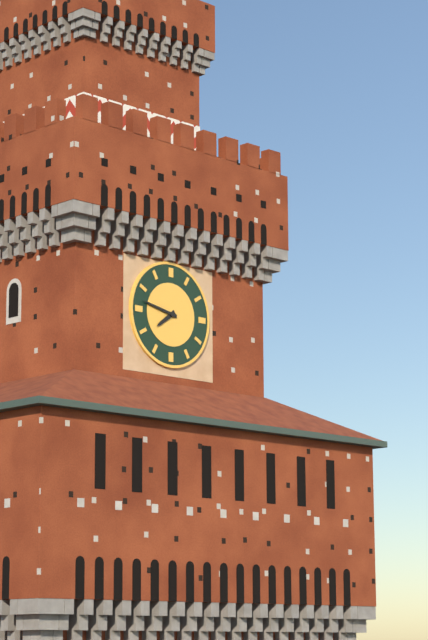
**7:47**
